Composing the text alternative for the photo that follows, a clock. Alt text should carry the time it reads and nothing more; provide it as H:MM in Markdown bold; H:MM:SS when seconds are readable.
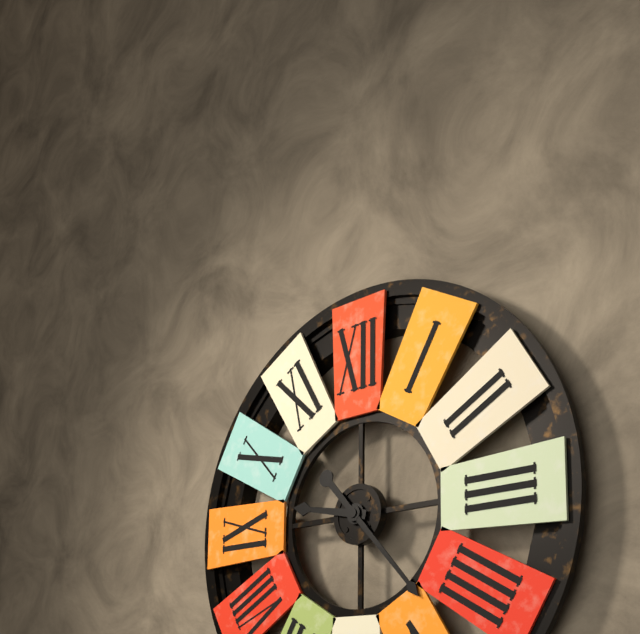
**9:23**
